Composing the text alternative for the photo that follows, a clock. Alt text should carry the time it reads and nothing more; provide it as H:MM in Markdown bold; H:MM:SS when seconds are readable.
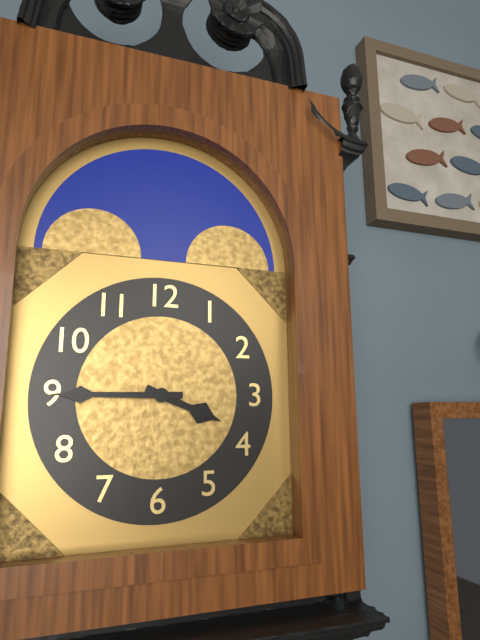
**3:45**
